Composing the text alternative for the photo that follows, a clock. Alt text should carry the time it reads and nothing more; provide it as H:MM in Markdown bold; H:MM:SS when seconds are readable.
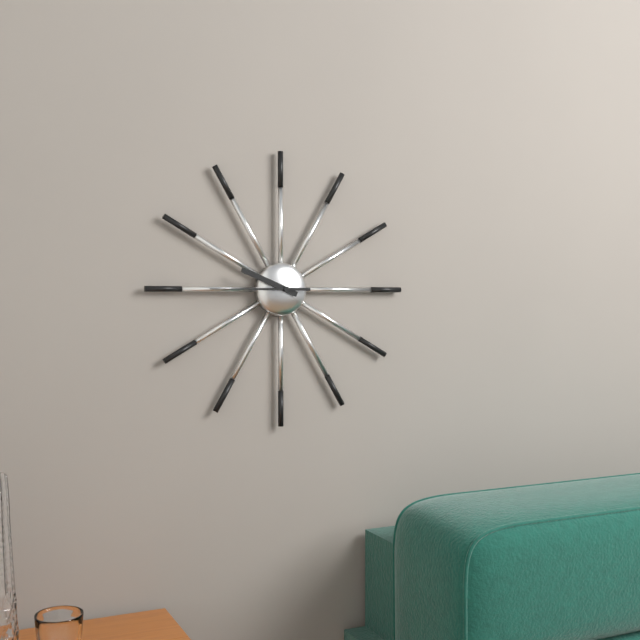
**9:45**
